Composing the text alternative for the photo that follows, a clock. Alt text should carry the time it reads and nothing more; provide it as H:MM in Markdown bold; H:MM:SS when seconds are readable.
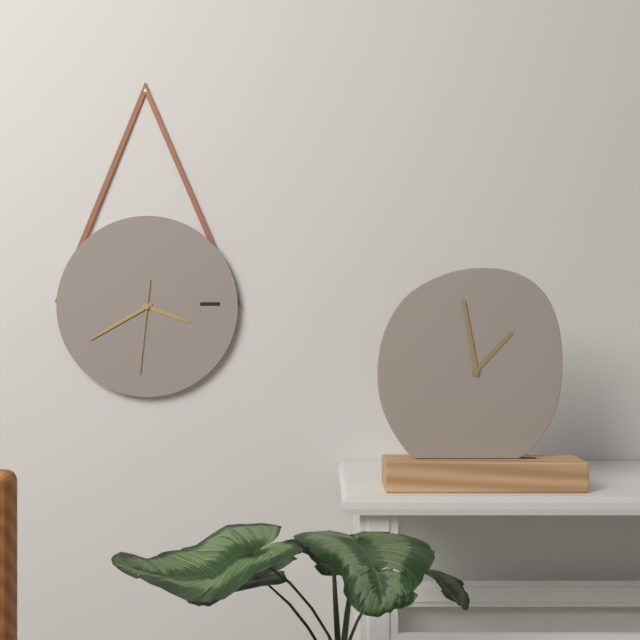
**3:40:31**
